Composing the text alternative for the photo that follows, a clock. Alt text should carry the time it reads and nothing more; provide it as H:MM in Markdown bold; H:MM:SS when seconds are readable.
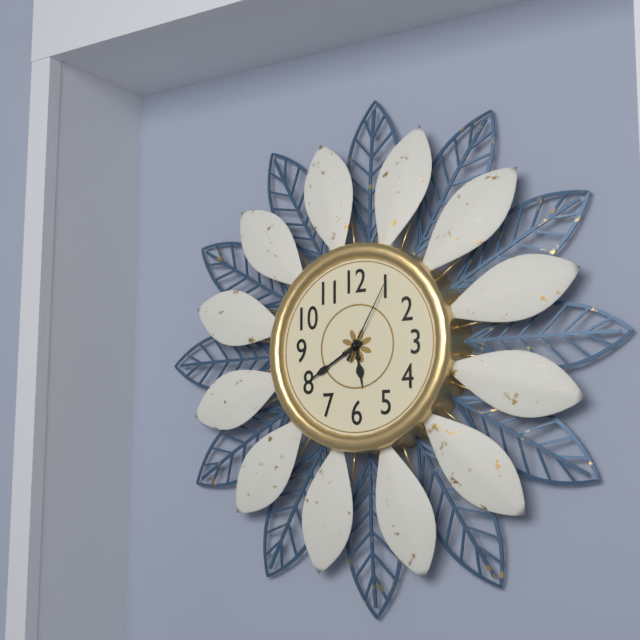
**5:40:05**
